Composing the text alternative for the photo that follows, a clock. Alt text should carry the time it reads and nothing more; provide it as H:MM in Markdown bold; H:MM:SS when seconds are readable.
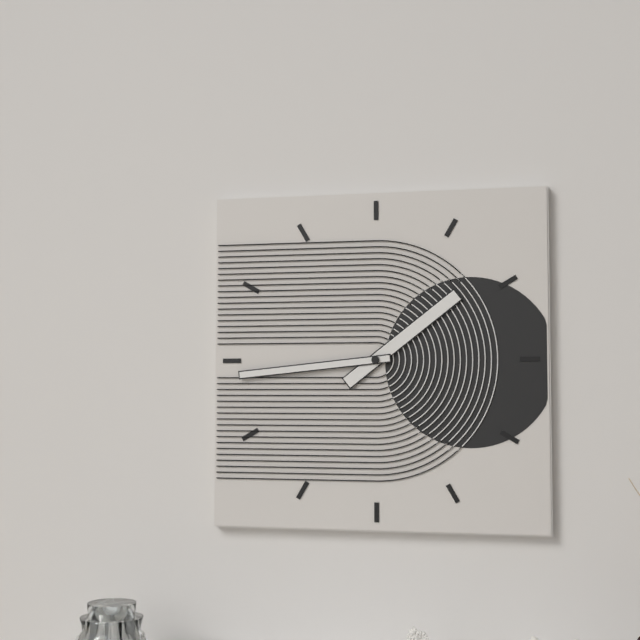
**1:44**
